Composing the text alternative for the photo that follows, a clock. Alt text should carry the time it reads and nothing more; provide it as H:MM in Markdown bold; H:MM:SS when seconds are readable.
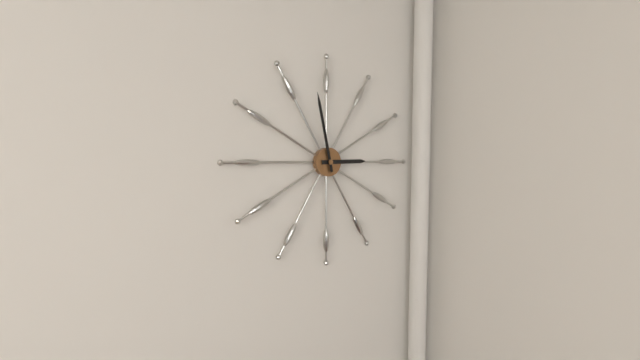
**2:58**
